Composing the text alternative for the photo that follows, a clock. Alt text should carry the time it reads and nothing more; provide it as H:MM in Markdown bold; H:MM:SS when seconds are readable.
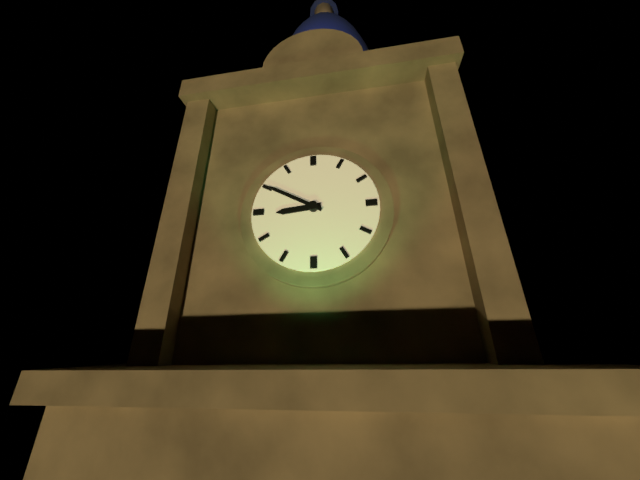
**8:50**
